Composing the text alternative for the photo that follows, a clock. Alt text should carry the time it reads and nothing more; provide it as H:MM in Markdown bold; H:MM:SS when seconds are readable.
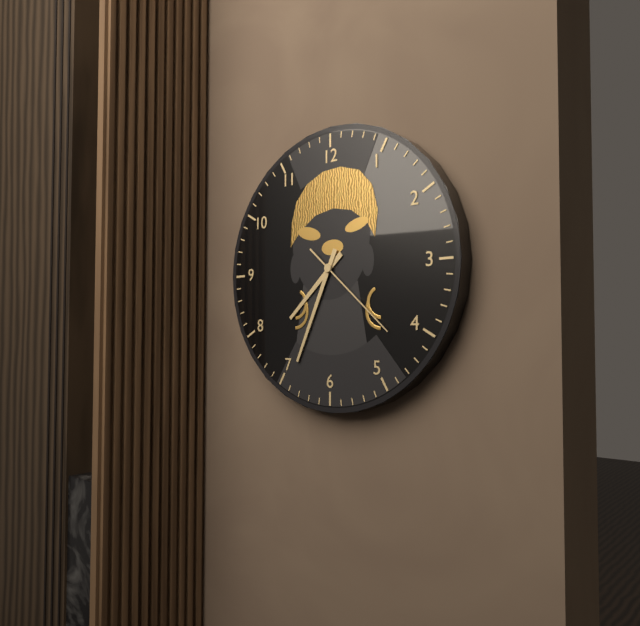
**7:34:22**
